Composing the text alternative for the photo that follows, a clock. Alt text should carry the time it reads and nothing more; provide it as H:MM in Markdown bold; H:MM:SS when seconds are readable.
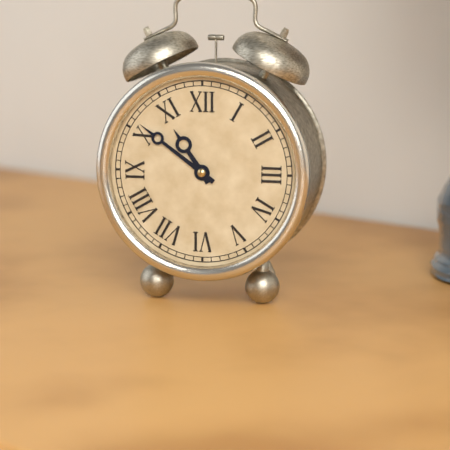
**10:51**
